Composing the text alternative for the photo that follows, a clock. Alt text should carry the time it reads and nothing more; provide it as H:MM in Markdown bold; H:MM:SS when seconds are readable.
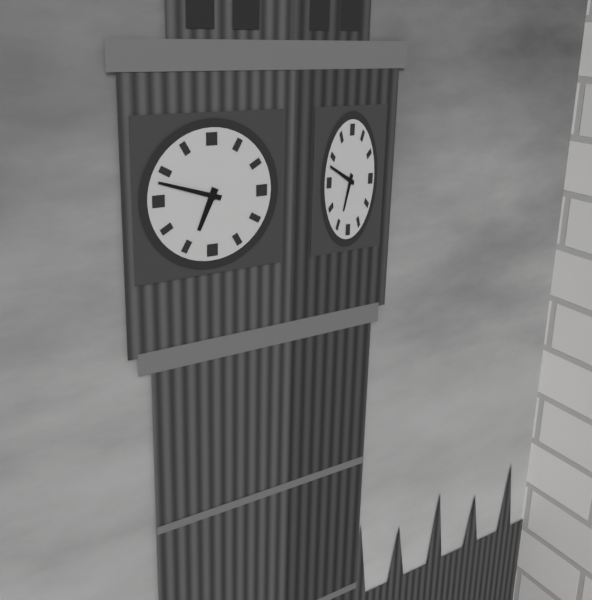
**6:48**
